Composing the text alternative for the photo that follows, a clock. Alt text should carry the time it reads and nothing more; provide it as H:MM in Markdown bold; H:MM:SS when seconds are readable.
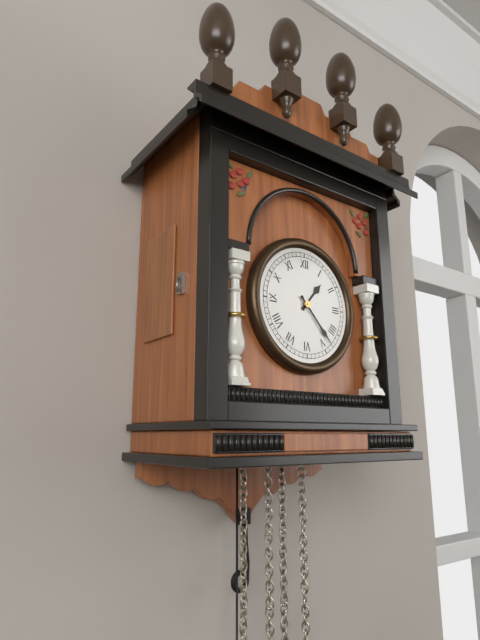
**1:23**
